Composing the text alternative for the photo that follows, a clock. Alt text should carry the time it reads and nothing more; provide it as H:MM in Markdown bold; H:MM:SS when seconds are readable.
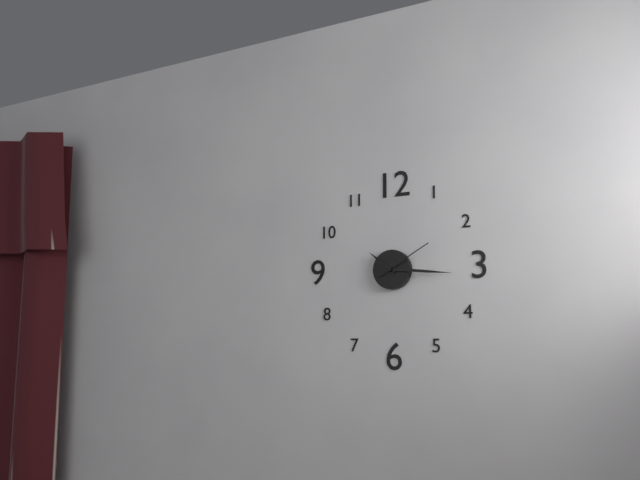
**10:16:10**
